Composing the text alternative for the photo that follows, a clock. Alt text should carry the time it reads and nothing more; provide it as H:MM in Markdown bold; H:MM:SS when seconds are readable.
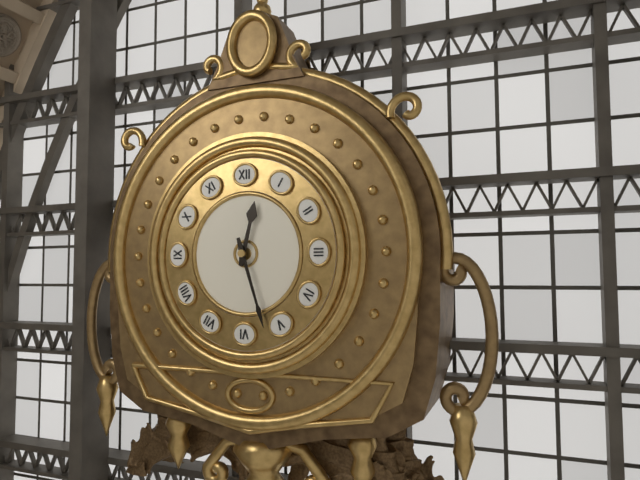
**12:27**
